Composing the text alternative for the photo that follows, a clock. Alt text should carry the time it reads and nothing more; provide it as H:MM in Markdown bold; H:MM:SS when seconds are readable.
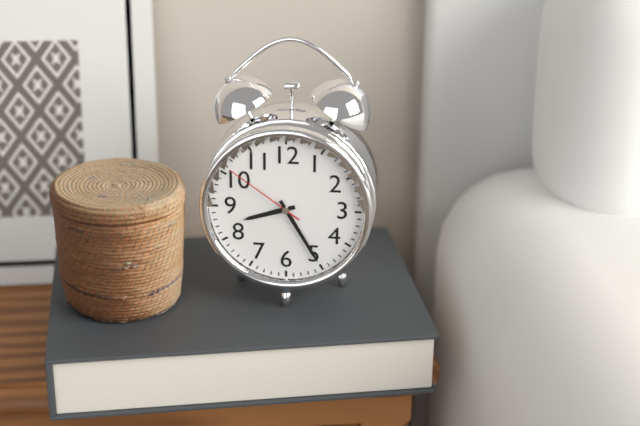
**8:25:51**
